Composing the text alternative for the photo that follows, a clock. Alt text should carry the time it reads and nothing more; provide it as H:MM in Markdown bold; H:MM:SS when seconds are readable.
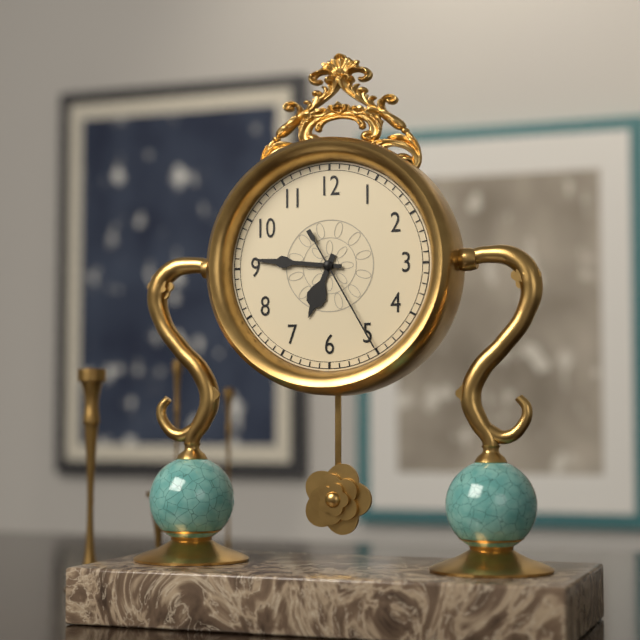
**6:46:25**
